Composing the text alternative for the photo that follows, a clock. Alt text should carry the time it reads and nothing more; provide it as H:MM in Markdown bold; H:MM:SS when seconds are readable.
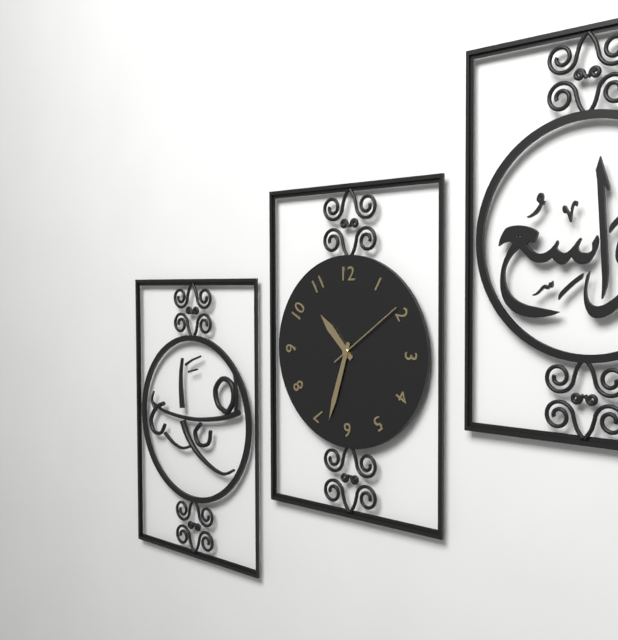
**10:33:09**
